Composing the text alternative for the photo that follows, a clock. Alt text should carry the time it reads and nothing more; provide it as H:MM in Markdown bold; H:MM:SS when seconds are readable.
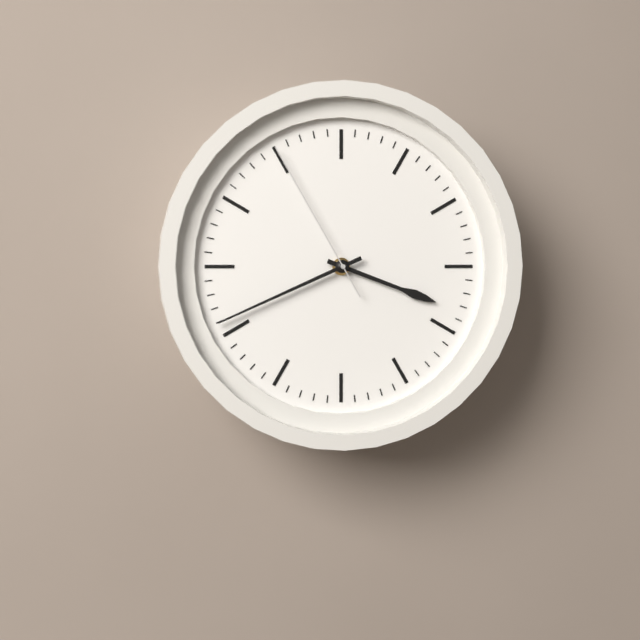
**3:41:55**
